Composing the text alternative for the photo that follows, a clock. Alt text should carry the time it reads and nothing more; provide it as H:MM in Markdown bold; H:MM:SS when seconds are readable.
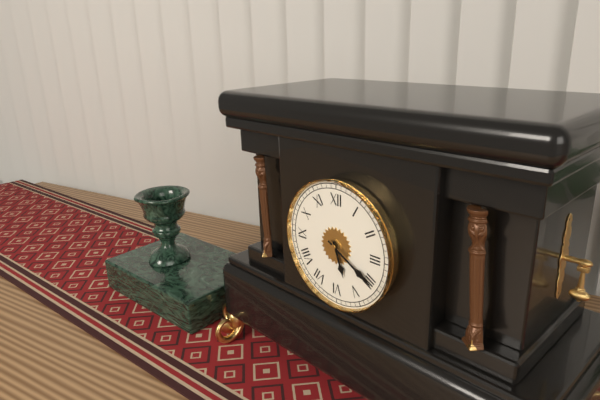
**5:20**
